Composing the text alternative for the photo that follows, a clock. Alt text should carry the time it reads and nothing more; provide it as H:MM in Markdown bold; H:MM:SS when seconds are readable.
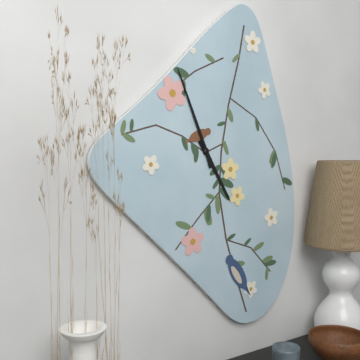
**4:56**
